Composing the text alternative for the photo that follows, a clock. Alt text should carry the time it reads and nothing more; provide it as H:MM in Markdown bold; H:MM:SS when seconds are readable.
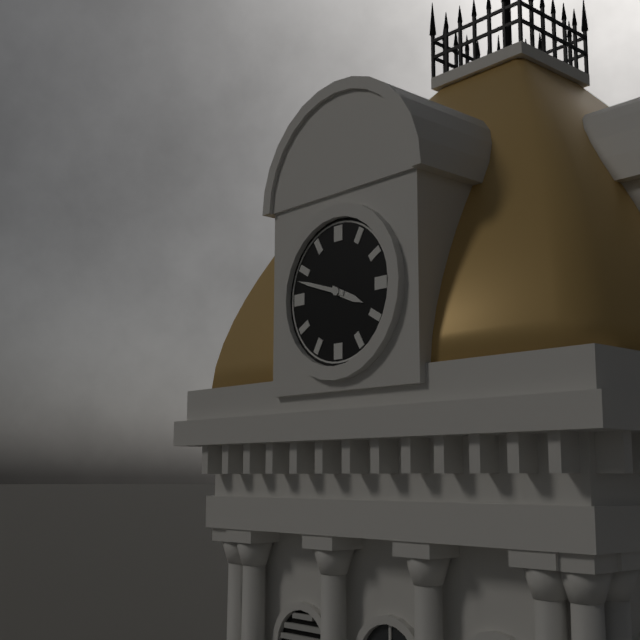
**3:48**
